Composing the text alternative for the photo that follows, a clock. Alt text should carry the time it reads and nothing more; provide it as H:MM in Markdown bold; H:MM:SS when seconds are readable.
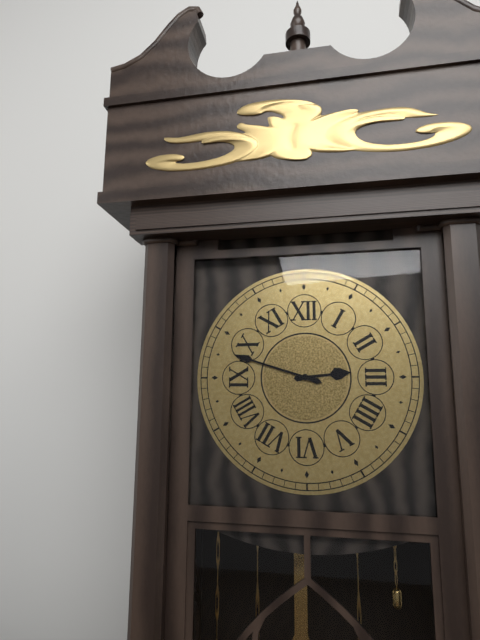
**2:48**
